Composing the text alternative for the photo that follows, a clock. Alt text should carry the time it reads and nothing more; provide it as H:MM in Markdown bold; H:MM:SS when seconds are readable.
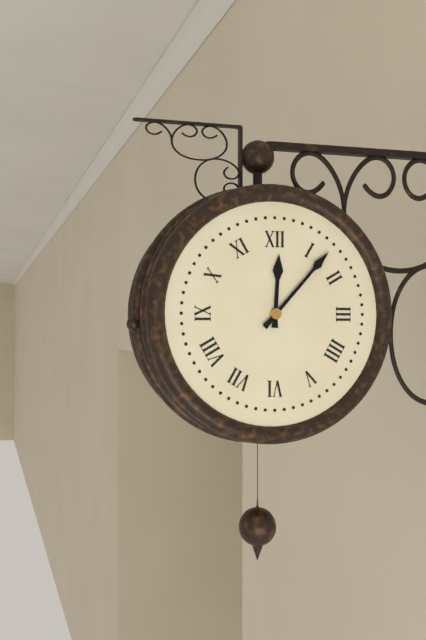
**12:07**
